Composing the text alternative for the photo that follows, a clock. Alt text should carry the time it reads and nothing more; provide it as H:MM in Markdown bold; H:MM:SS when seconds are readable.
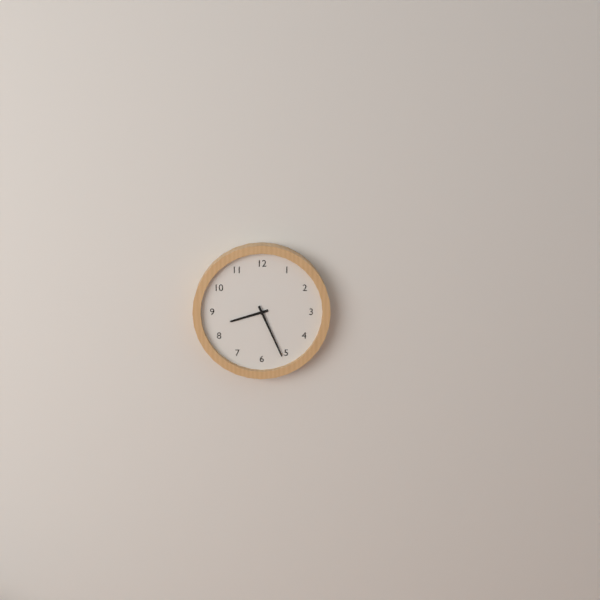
**8:26**
